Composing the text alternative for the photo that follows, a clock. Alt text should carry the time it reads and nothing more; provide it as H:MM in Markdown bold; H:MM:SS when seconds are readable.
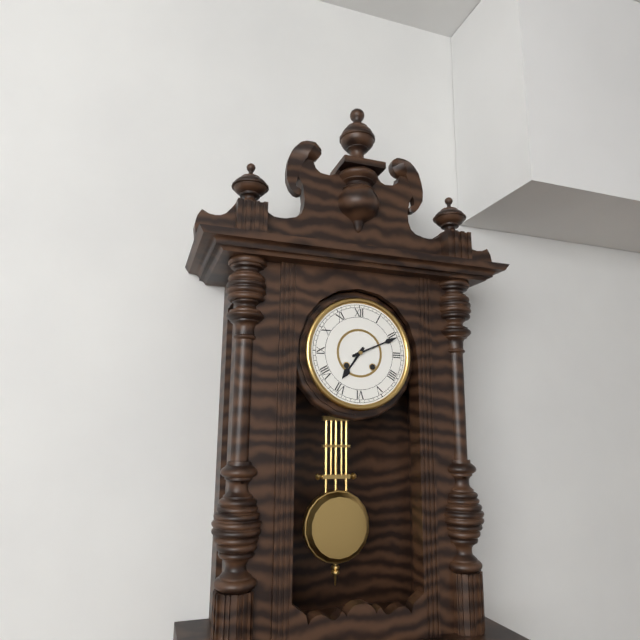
**7:11**
